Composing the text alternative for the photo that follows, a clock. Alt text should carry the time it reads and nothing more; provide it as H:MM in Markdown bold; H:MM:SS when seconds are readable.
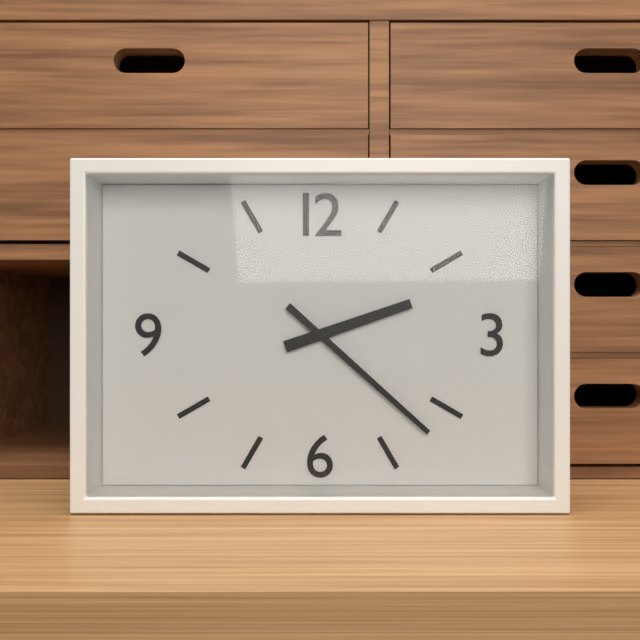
**2:22**
